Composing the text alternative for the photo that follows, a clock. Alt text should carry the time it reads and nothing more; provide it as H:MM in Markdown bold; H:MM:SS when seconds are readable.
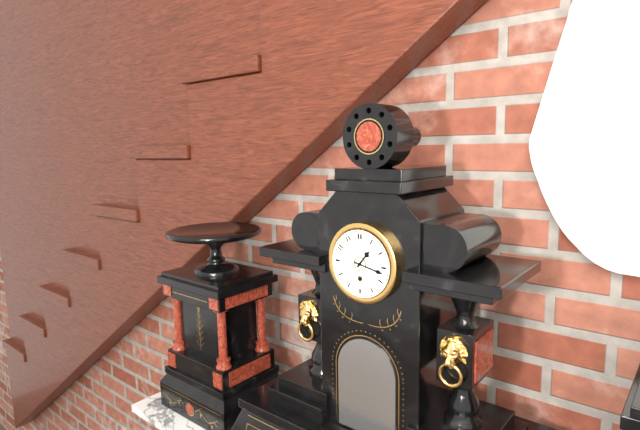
**1:17**
